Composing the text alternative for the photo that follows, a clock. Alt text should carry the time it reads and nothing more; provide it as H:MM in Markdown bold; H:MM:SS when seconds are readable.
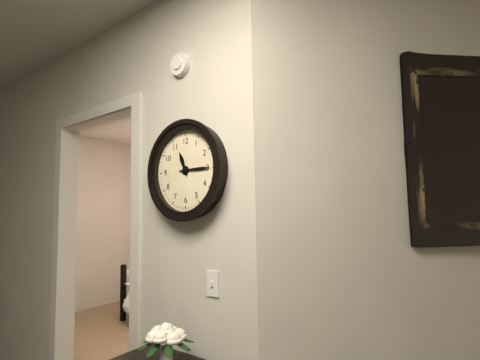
**11:15**
